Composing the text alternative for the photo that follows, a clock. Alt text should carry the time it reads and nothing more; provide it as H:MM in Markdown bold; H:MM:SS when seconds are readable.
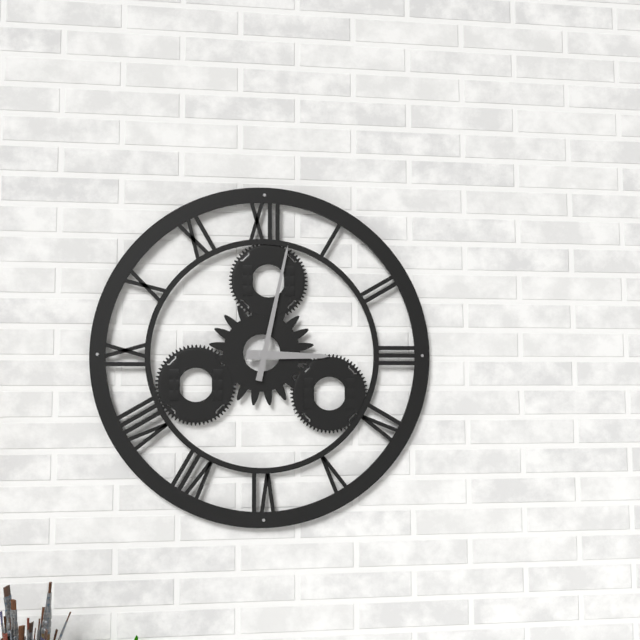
**3:02**
